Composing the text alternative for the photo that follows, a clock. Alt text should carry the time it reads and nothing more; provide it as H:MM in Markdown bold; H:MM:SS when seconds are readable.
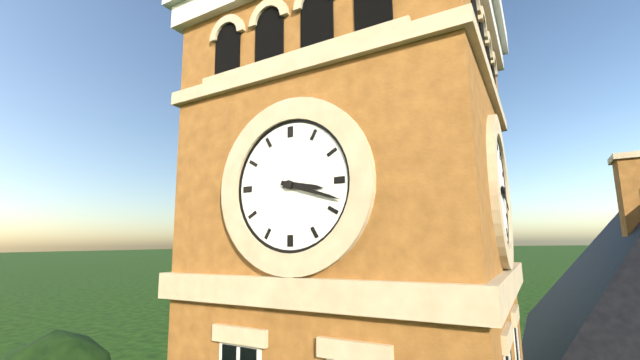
**3:18**
